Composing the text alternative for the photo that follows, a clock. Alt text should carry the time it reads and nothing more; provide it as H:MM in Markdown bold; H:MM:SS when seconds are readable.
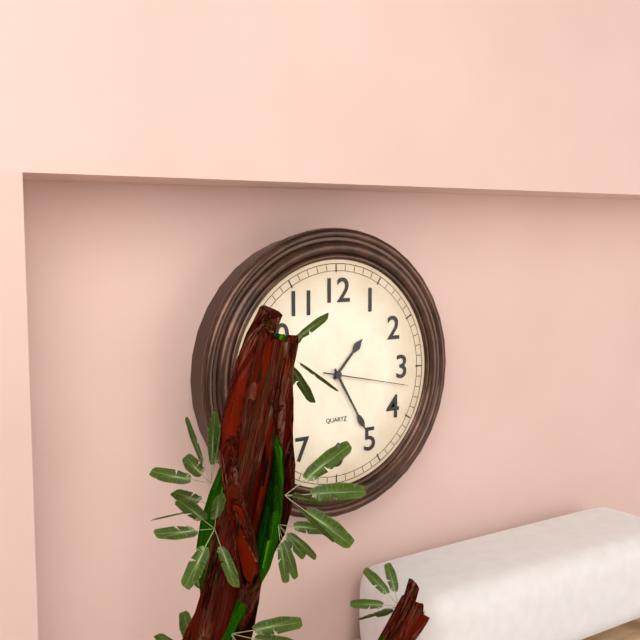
**1:25:17**
